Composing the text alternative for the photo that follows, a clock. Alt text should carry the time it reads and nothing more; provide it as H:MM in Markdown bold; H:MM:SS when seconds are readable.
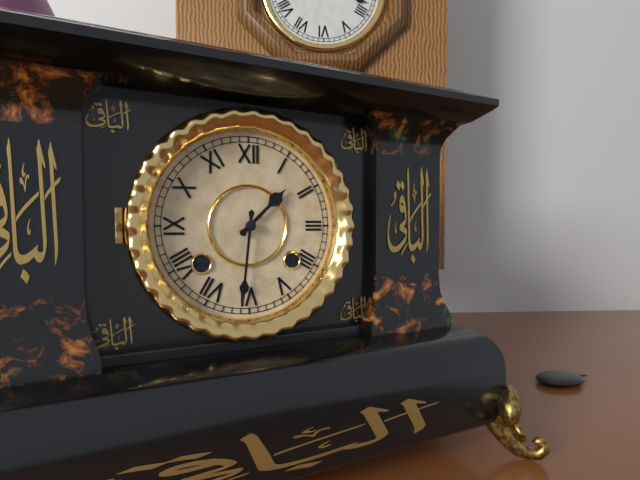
**1:31**
